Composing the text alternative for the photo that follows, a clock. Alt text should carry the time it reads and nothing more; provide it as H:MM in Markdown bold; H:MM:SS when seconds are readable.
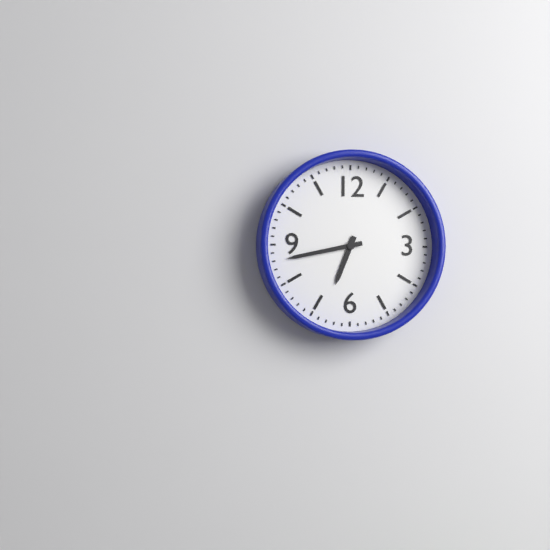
**6:43**
